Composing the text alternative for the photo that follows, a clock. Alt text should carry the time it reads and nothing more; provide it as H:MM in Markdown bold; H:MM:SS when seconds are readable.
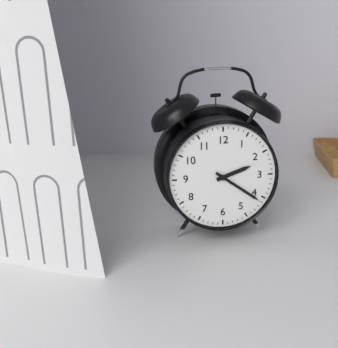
**2:21**
